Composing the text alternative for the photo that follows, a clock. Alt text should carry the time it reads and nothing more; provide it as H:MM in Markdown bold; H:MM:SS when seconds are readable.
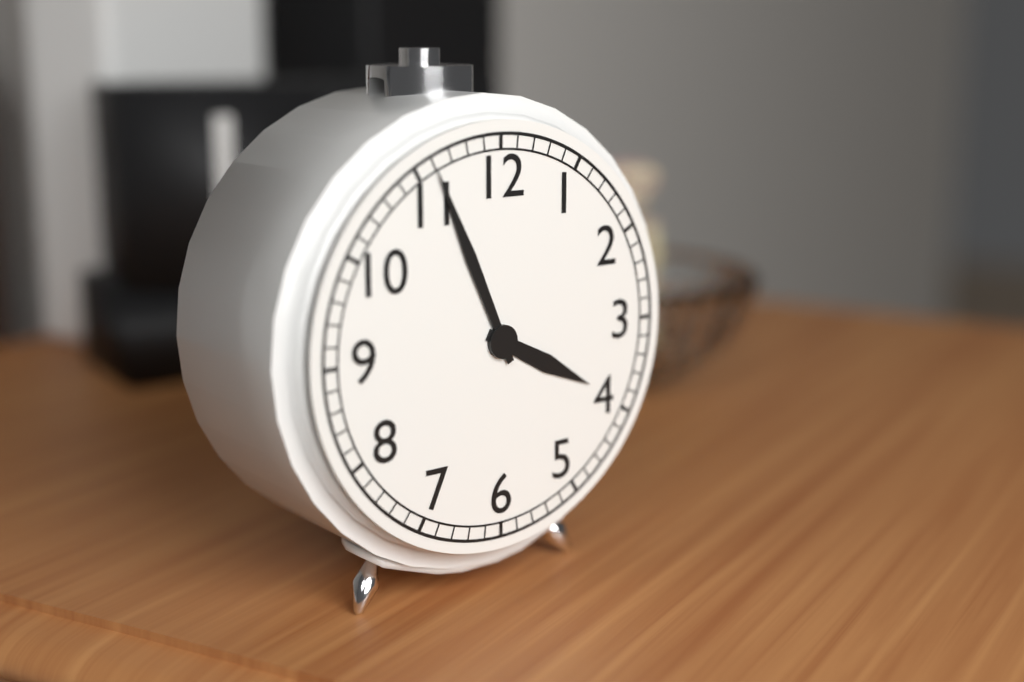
**3:56**
